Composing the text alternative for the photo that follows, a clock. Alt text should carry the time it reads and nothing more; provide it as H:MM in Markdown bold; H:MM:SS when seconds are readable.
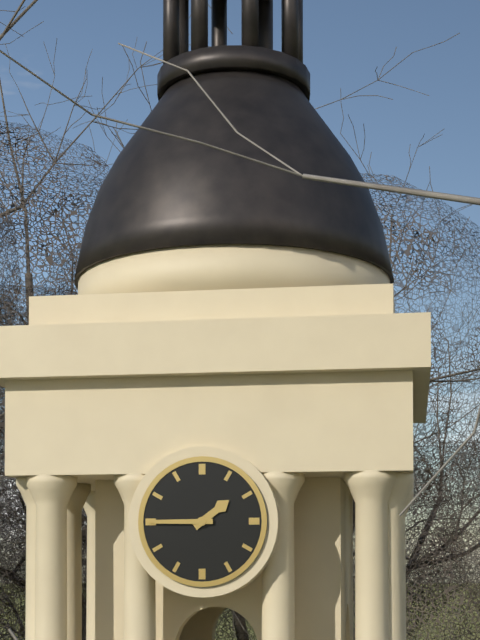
**1:45**
